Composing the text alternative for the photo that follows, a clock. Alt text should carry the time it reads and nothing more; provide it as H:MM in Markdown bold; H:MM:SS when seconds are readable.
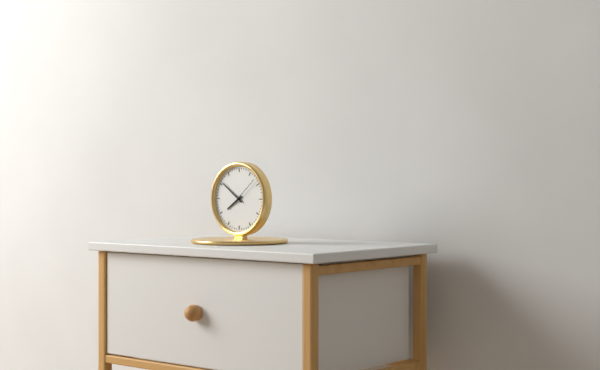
**7:51**
